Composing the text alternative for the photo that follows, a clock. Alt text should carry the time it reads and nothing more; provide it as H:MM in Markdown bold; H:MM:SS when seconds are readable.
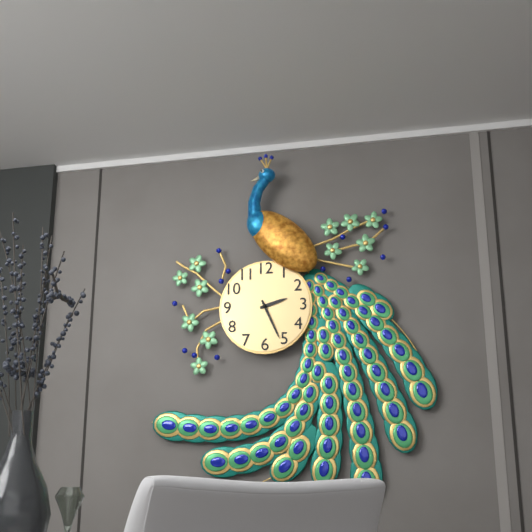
**2:26**
